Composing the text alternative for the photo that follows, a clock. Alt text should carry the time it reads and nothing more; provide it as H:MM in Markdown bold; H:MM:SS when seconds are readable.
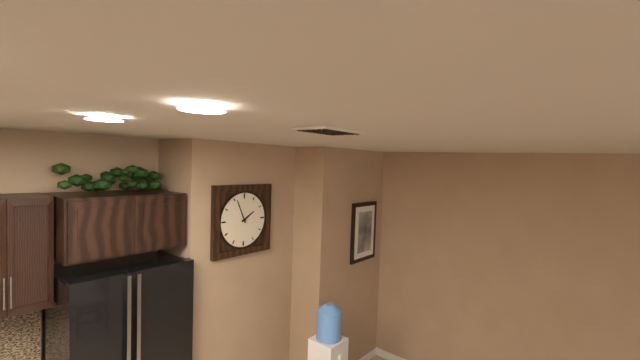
**1:56**
